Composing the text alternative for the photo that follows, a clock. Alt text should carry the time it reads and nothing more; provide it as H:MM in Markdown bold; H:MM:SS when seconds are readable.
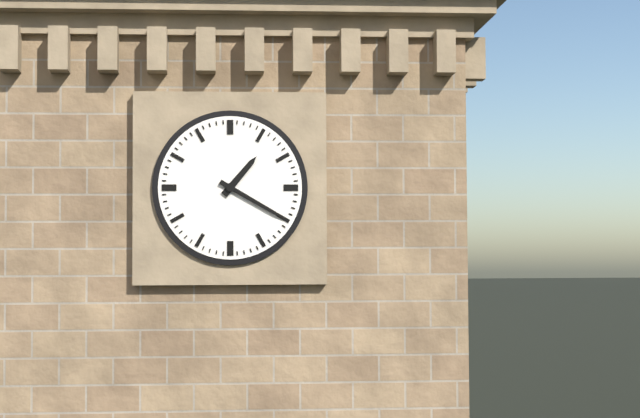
**1:20**
